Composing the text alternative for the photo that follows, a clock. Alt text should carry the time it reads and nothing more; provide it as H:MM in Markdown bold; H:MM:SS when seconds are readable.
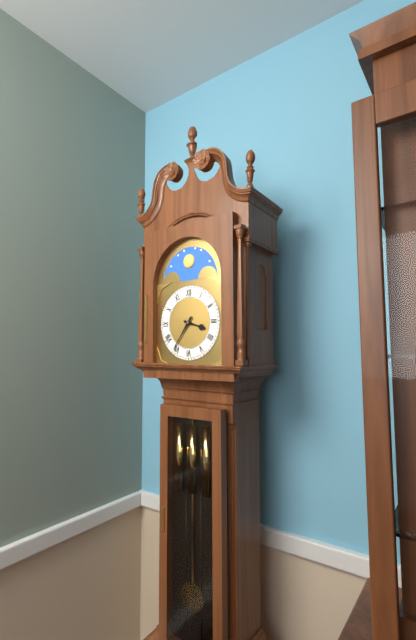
**3:36**
